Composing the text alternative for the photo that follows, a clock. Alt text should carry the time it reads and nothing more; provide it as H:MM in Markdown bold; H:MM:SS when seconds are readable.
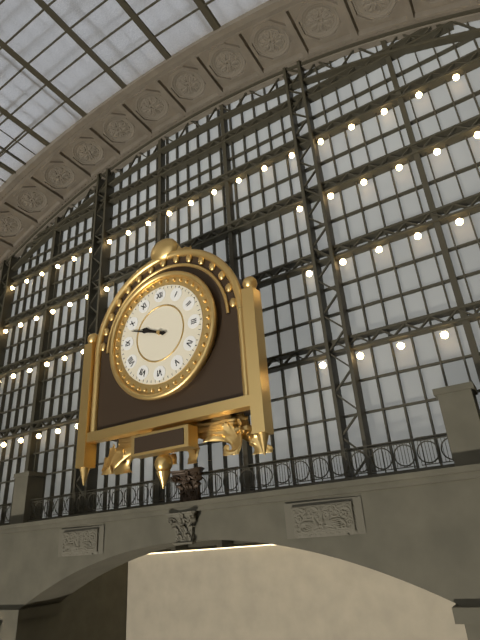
**9:48**
